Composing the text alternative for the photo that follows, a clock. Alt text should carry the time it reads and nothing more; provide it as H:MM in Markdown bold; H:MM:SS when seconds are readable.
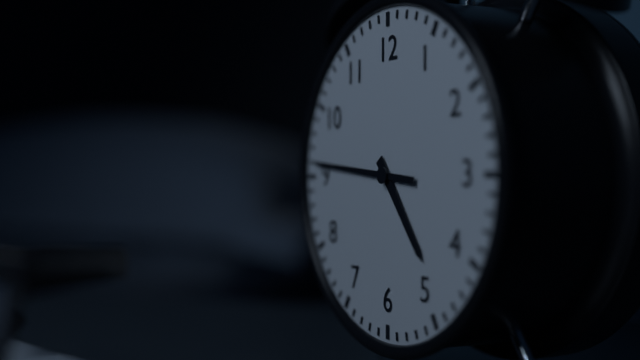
**4:46**
